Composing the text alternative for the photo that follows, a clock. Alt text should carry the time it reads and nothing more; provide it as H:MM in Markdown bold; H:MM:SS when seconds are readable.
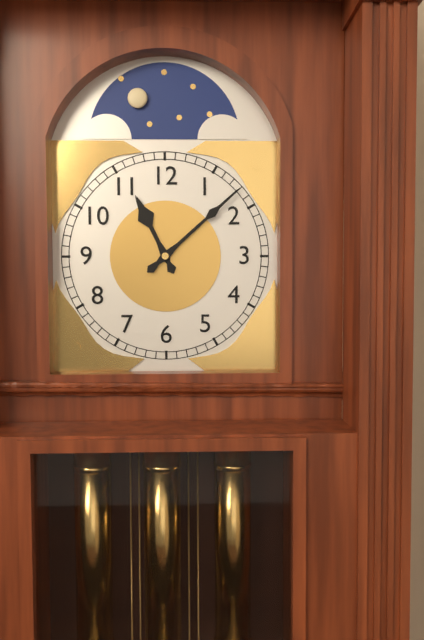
**11:08**
